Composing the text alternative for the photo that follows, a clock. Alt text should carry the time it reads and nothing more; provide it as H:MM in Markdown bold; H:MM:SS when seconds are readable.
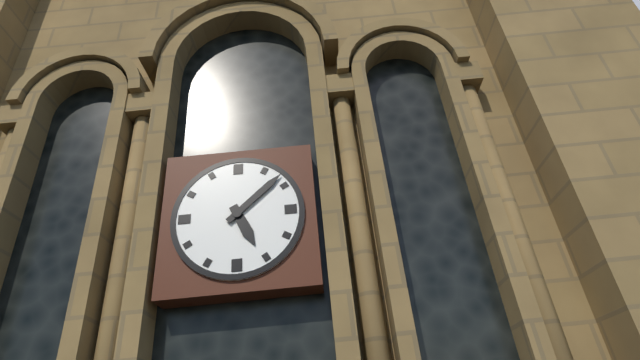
**5:08**
